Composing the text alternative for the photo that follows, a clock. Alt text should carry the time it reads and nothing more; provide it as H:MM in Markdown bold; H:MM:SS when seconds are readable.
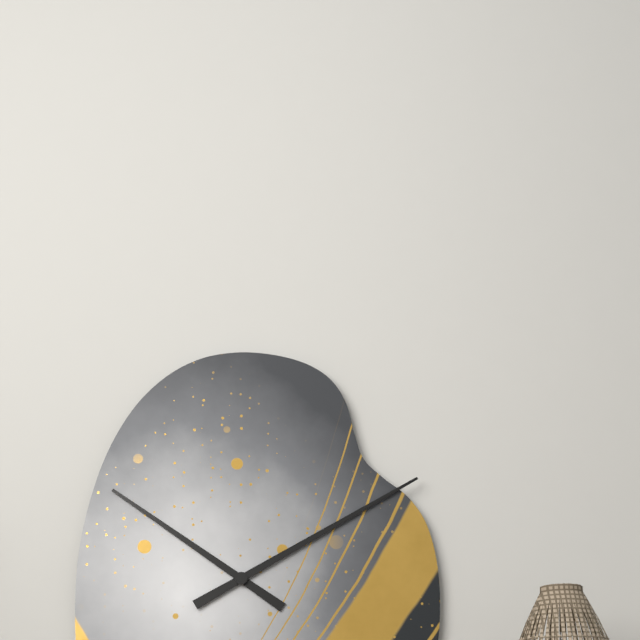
**10:10**
